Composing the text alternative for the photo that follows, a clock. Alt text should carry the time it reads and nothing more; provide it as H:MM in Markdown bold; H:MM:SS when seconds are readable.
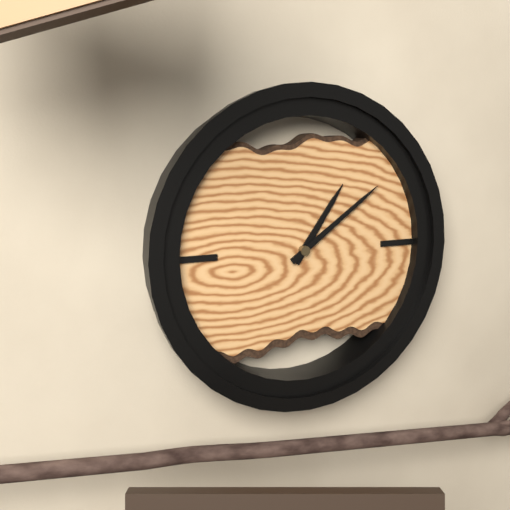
**1:09**
